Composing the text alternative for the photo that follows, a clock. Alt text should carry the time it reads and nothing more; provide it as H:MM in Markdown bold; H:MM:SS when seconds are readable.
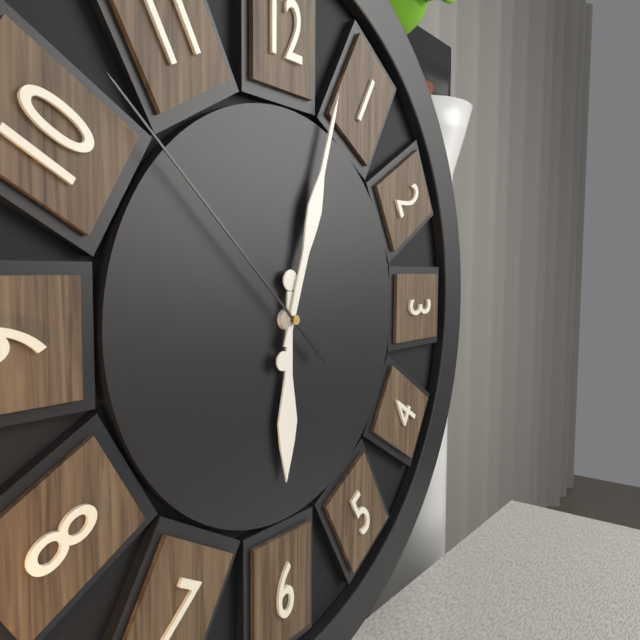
**6:03:52**
